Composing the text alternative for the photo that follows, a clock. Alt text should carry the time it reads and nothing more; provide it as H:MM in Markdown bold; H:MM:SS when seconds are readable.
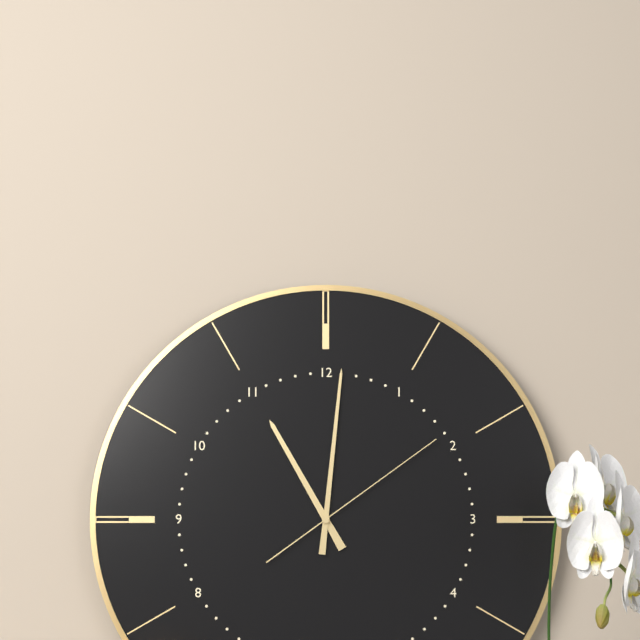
**11:01:09**
